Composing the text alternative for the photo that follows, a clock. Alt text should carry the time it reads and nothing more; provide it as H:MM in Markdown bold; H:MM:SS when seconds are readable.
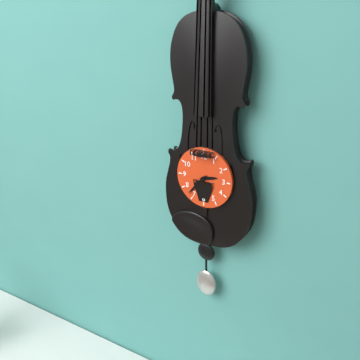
**2:37**
